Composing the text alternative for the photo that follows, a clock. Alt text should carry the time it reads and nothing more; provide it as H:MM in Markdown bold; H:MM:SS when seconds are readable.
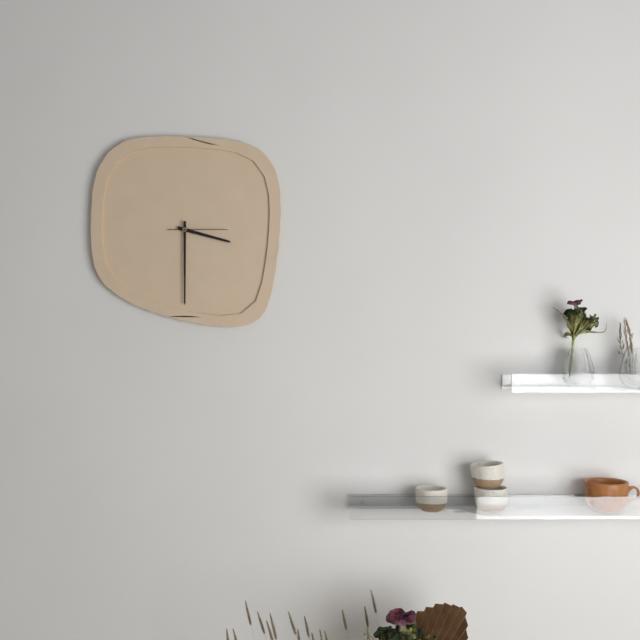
**3:30:15**
